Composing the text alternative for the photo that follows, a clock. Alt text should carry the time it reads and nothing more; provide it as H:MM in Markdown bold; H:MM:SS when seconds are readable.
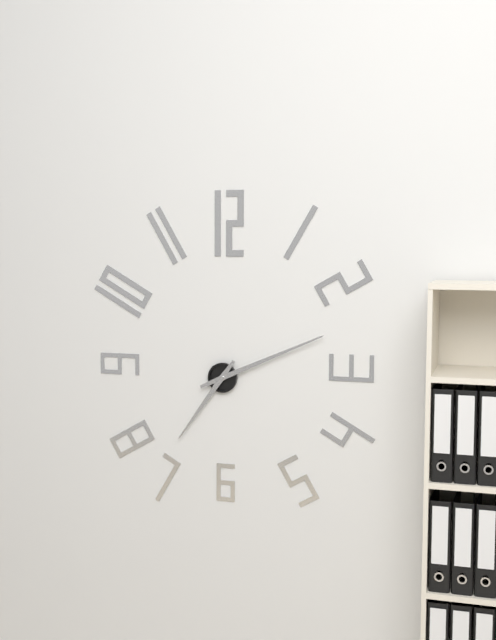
**7:11**
